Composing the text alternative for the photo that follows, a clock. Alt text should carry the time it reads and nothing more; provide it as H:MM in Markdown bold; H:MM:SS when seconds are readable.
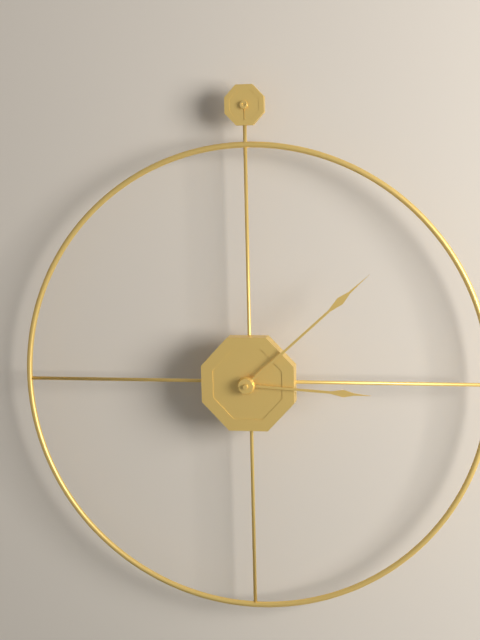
**3:08**
